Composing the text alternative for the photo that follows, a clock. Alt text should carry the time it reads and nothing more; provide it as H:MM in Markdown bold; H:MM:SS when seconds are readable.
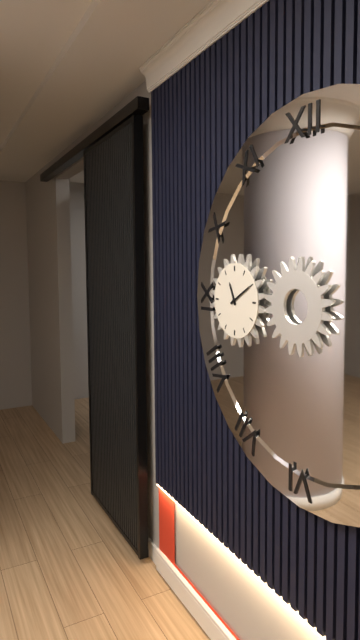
**11:10**
